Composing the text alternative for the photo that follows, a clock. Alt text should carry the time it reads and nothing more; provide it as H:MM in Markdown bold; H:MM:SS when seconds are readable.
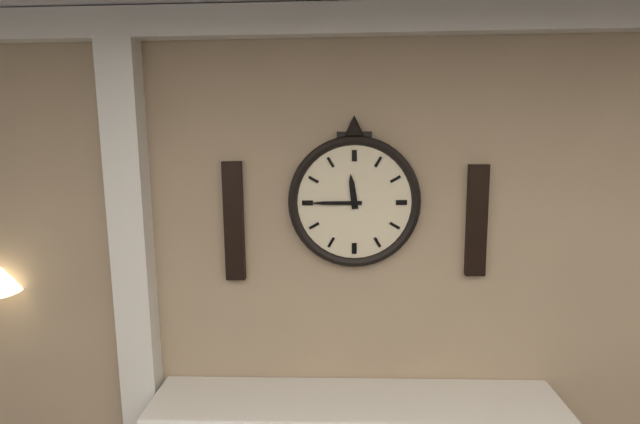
**11:45**
